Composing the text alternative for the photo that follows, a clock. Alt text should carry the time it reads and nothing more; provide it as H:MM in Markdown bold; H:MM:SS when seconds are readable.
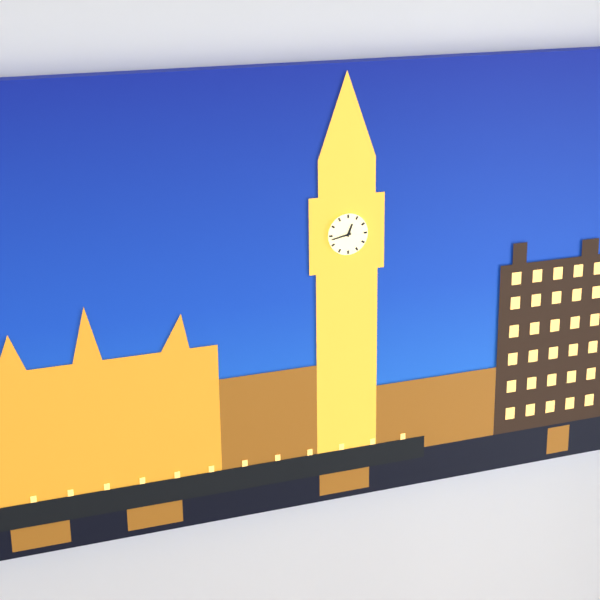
**12:43**
